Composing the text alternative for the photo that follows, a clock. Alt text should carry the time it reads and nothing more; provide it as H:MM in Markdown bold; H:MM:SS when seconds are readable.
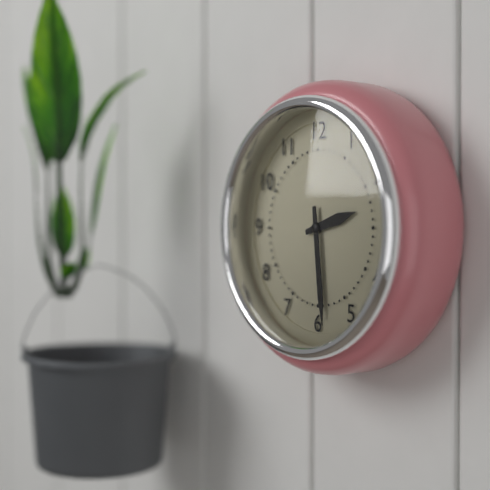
**2:29**
